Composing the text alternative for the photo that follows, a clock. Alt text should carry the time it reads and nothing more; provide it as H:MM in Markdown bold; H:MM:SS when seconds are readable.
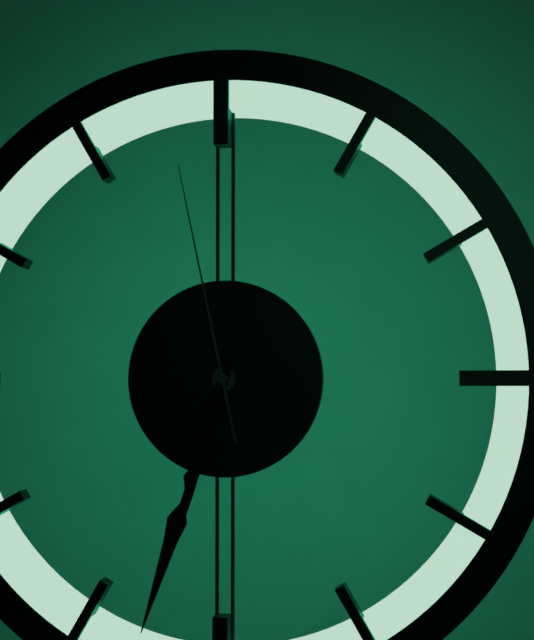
**6:33:58**
